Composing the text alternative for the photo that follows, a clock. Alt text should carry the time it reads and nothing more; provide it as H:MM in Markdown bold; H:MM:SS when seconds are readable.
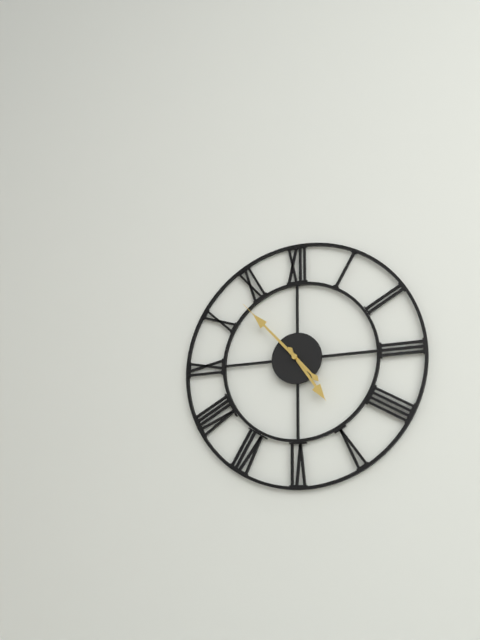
**4:53**
